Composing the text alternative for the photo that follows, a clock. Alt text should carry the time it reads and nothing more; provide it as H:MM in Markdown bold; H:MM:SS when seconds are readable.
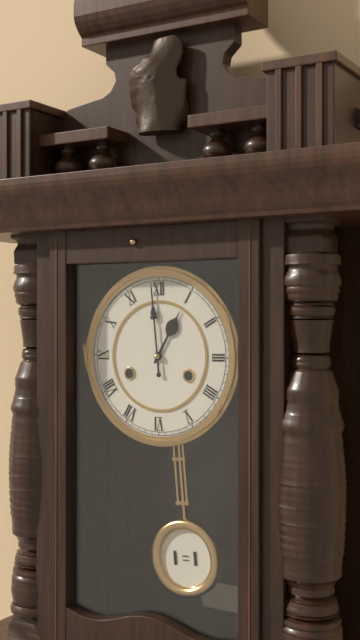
**12:59**
